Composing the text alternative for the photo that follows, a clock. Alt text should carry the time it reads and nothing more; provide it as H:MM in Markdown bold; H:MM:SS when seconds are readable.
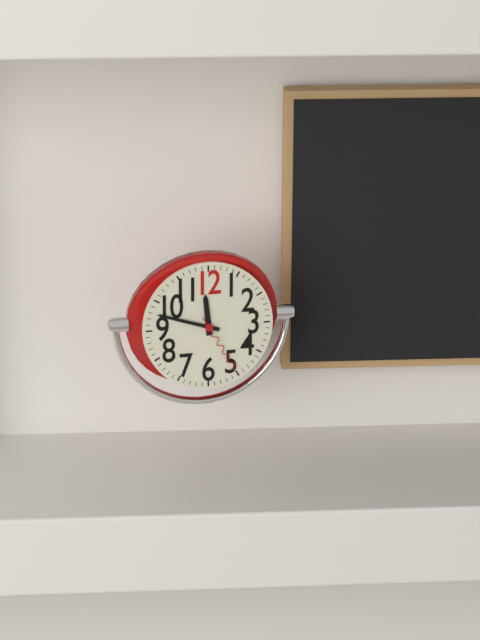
**11:48:25**
